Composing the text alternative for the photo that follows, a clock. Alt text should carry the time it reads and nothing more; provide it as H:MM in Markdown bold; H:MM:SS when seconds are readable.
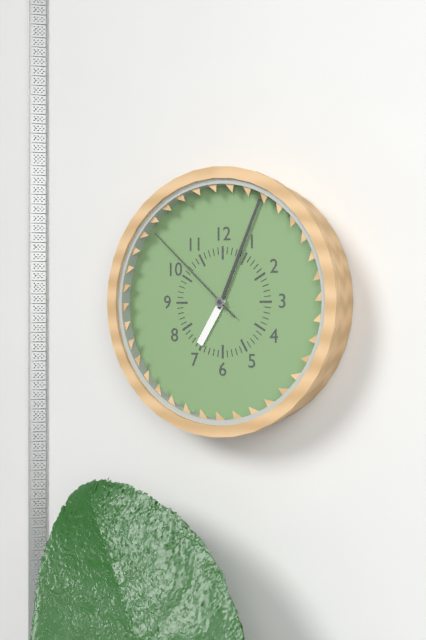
**7:04:52**
